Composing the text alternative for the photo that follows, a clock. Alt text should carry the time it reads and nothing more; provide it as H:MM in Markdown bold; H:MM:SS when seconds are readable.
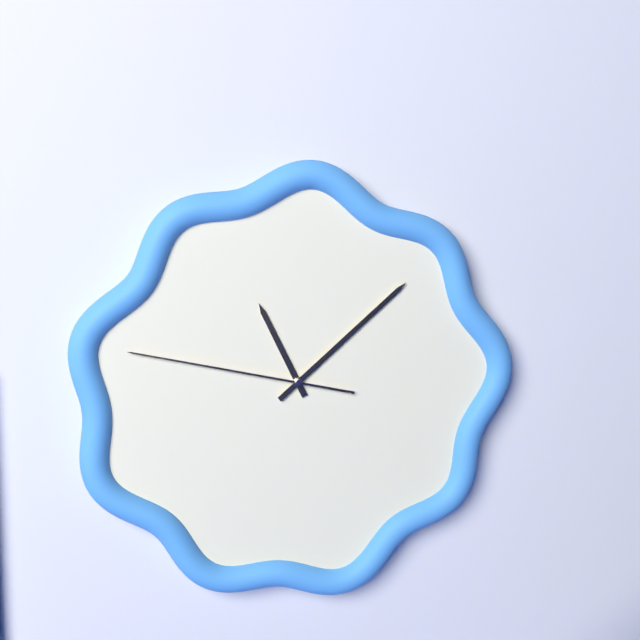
**11:08:47**
